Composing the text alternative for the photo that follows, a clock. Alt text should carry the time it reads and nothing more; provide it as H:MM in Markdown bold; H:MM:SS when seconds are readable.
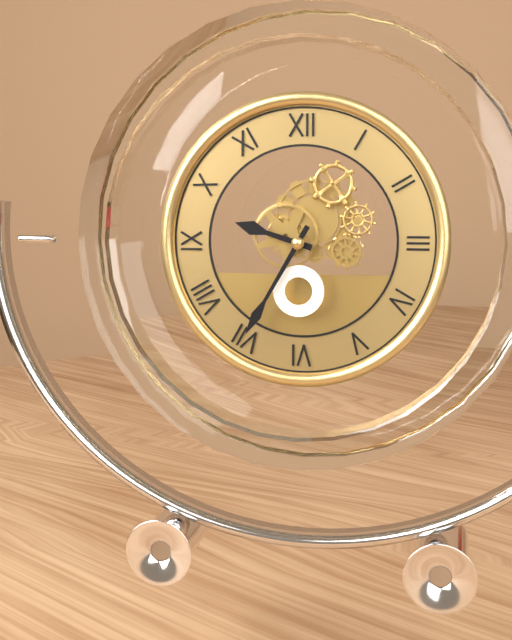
**9:35**
